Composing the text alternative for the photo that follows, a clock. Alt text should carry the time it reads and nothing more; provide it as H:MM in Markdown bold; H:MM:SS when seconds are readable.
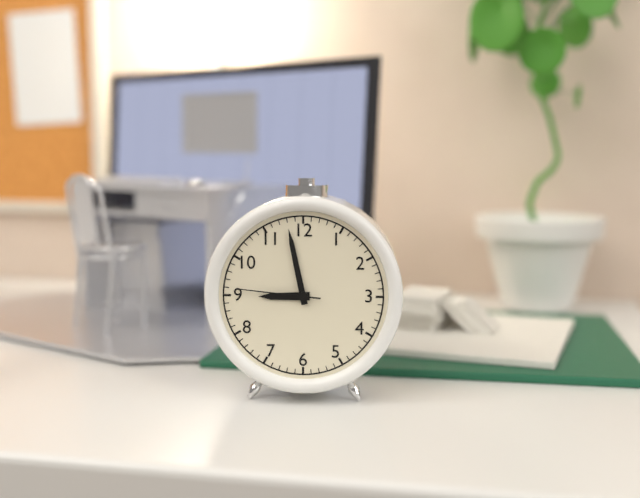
**8:58:46**
